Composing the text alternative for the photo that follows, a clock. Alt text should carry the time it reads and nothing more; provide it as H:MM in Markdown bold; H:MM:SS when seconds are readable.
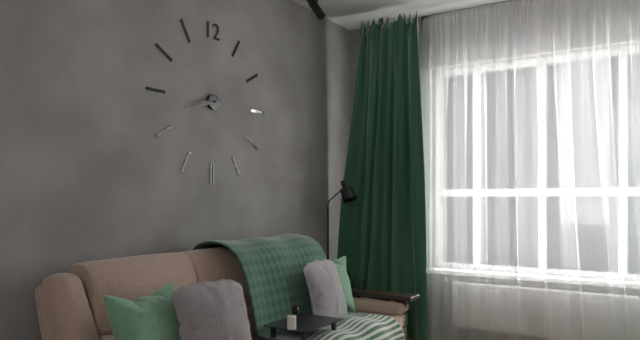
**8:42**
